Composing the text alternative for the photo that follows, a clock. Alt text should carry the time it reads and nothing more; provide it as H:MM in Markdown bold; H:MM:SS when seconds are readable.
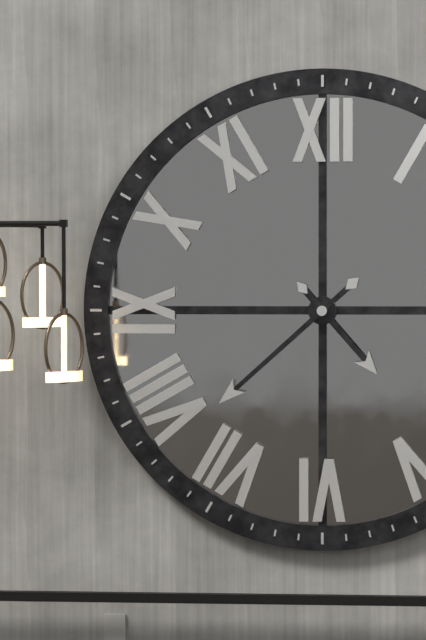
**4:38**
